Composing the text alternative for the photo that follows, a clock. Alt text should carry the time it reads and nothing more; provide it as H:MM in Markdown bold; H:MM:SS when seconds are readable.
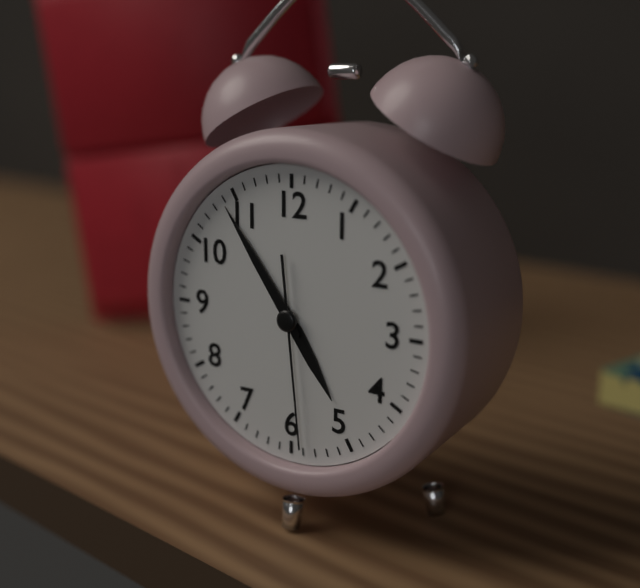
**4:54:29**
